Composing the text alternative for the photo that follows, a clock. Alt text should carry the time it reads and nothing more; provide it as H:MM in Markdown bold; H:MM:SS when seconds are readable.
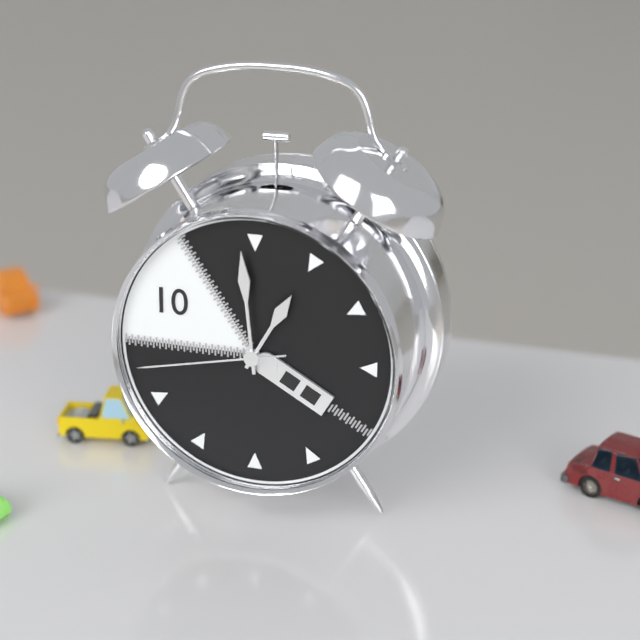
**12:59:43**
